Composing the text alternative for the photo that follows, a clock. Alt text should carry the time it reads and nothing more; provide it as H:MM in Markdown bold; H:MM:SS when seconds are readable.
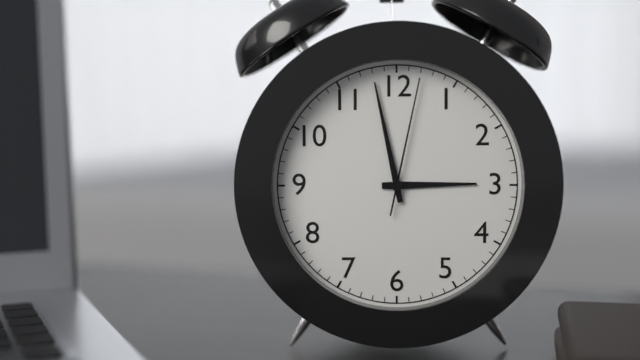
**2:58:02**
